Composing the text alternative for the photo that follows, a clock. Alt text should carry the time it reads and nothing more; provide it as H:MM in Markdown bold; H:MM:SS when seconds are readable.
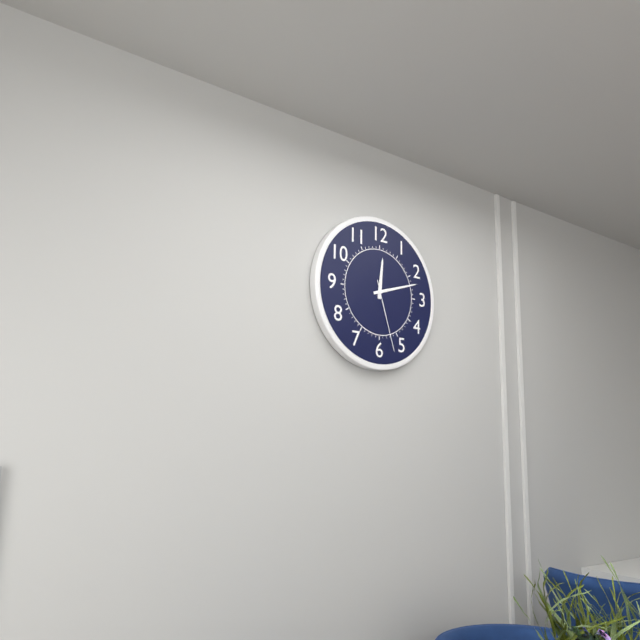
**12:12:27**
